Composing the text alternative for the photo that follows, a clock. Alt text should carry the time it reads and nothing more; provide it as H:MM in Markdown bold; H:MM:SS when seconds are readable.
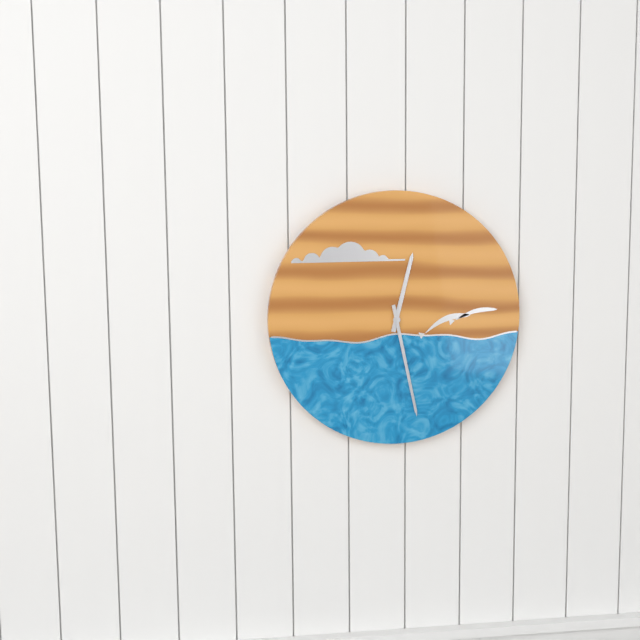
**12:28**
